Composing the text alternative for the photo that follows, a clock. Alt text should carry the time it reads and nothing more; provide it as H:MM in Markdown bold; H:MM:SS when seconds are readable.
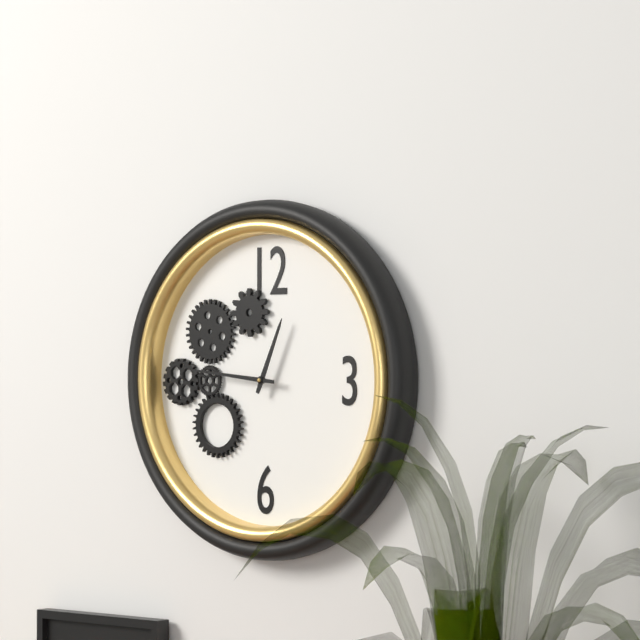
**12:46**
